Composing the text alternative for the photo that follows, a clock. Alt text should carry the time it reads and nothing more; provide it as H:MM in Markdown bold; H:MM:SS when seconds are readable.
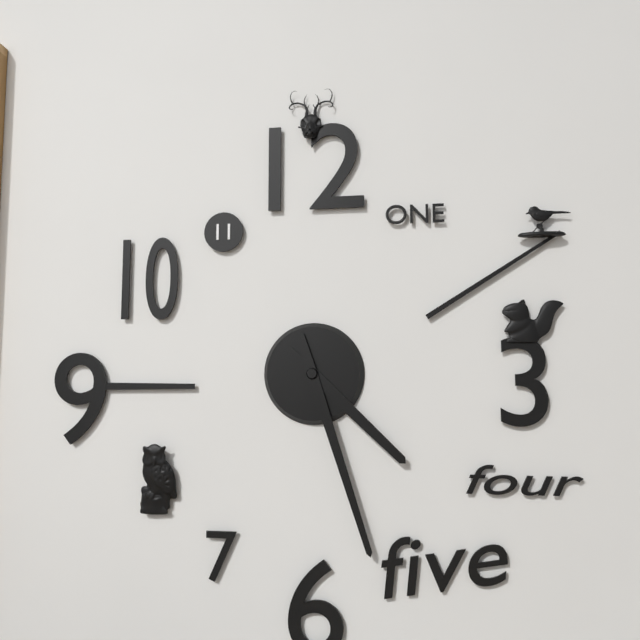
**4:27**
